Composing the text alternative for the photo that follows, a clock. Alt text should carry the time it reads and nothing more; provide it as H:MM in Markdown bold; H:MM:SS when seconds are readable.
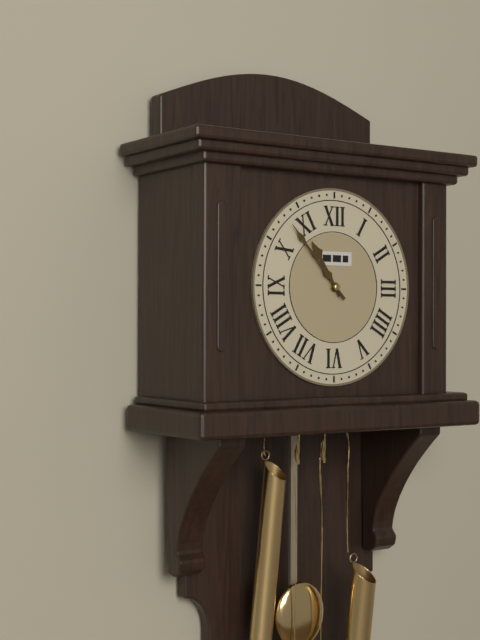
**10:53**
